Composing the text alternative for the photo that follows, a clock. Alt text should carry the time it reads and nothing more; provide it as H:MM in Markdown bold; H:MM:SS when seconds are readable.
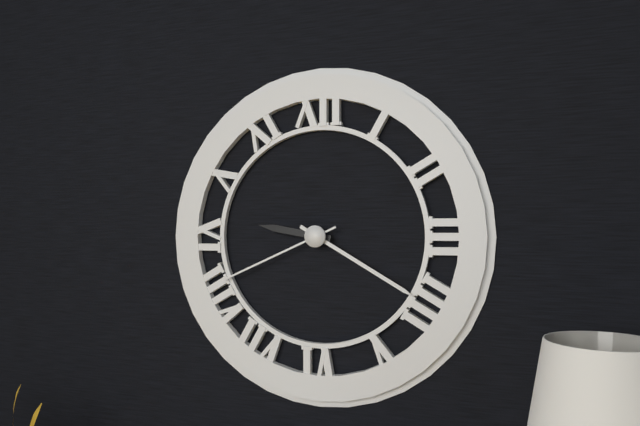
**9:20:41**
